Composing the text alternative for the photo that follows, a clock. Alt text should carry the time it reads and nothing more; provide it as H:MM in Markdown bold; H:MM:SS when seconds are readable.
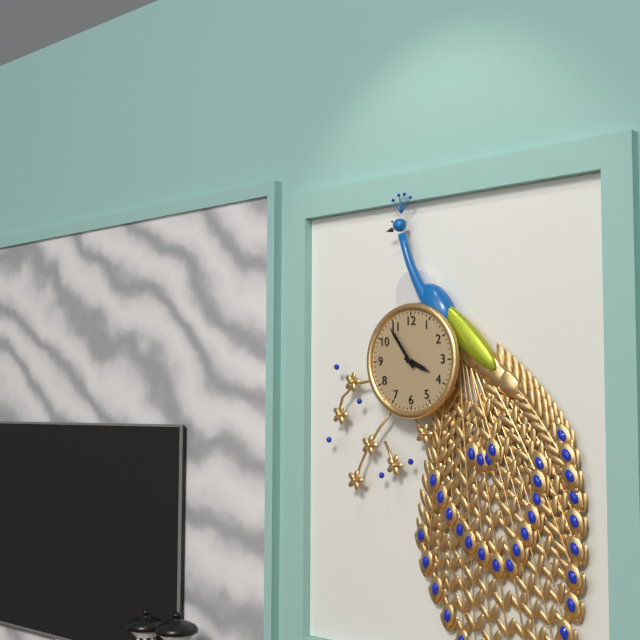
**3:54**
